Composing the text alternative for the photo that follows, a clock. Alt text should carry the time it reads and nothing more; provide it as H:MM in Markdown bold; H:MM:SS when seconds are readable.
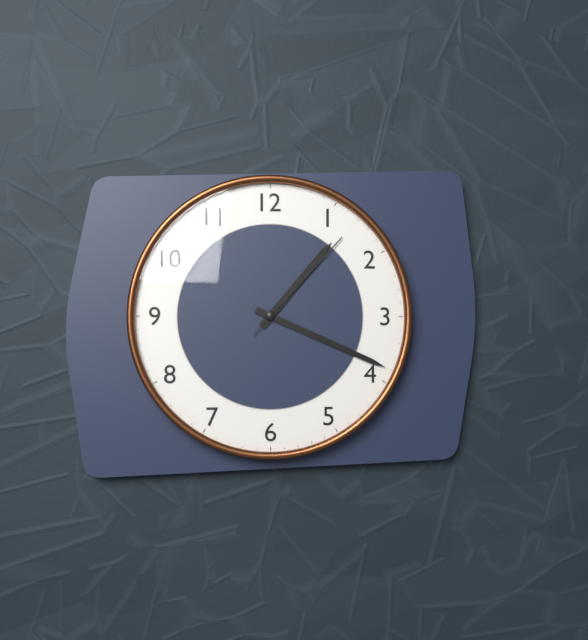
**1:19:07**
